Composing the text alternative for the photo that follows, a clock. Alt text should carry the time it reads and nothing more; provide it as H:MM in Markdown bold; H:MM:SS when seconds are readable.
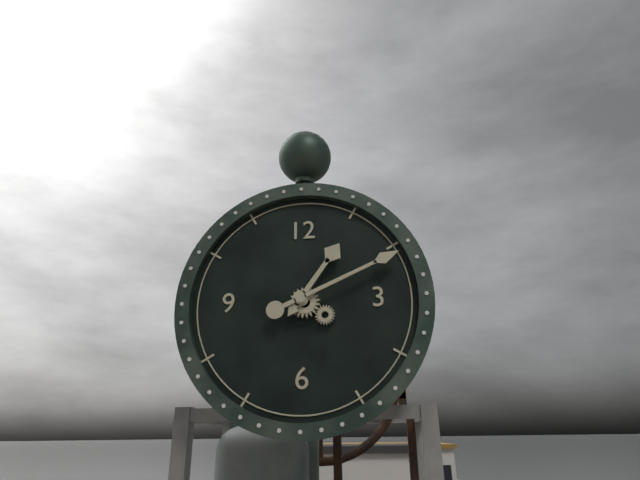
**1:11**
